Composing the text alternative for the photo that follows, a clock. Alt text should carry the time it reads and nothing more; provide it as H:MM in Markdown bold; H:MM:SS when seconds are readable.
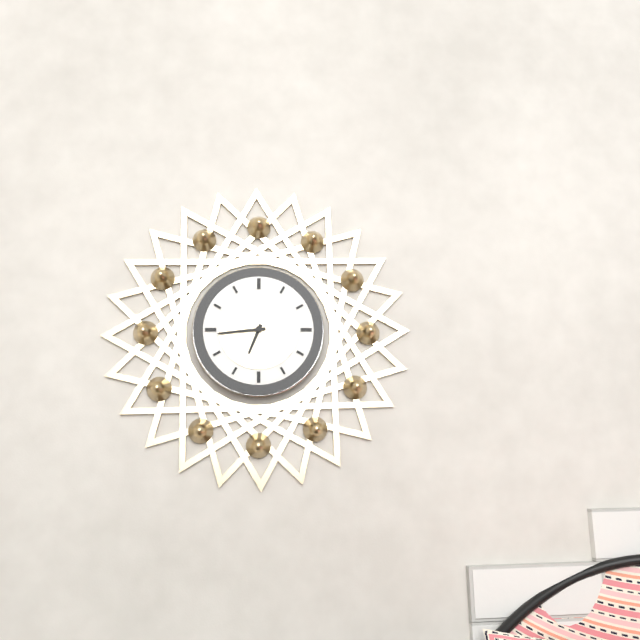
**6:44**
